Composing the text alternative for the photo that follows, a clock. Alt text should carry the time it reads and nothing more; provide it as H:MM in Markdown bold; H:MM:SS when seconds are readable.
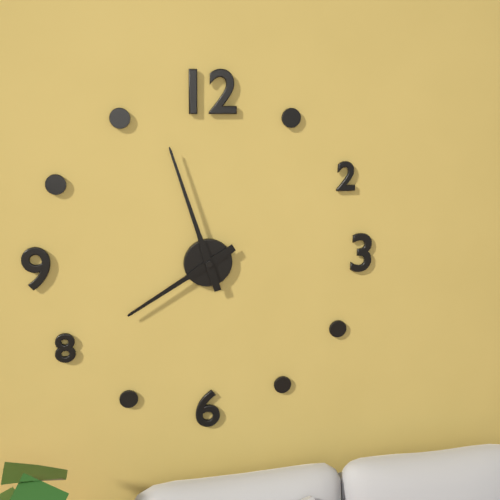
**7:57**
